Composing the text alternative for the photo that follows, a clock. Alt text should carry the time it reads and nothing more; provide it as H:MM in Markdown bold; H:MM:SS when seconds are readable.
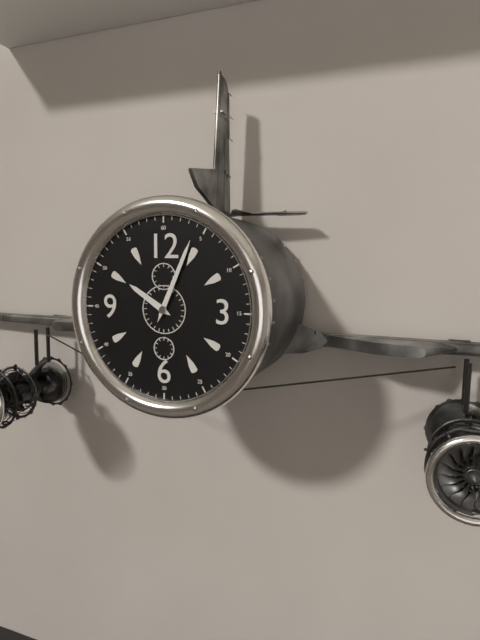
**10:04**
